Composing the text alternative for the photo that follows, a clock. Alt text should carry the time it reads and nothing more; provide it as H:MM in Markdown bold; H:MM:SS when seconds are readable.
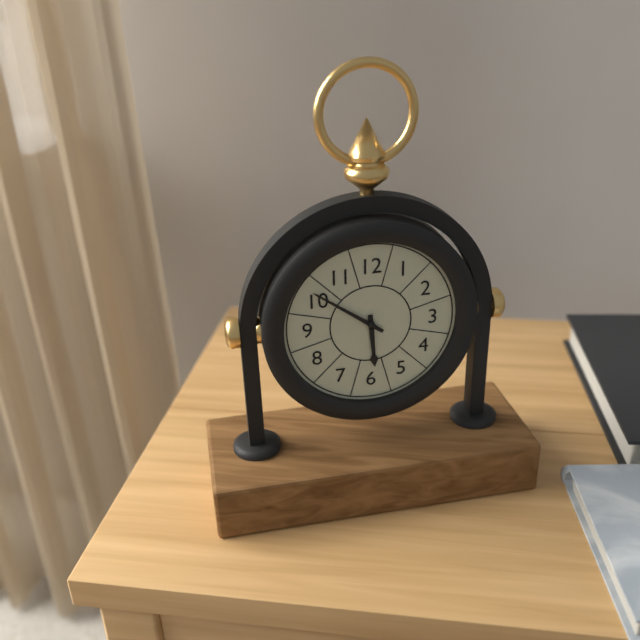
**5:51**
